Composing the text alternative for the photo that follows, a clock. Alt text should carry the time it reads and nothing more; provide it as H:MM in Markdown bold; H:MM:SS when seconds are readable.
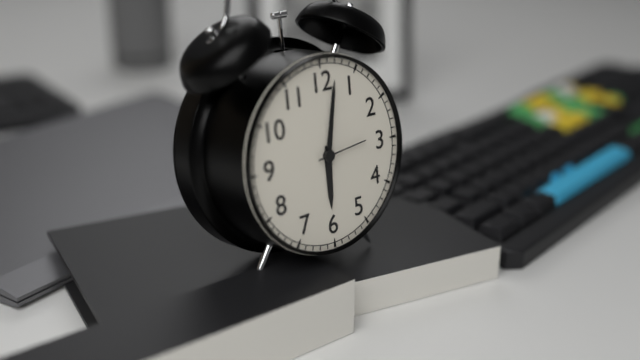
**6:02:14**
